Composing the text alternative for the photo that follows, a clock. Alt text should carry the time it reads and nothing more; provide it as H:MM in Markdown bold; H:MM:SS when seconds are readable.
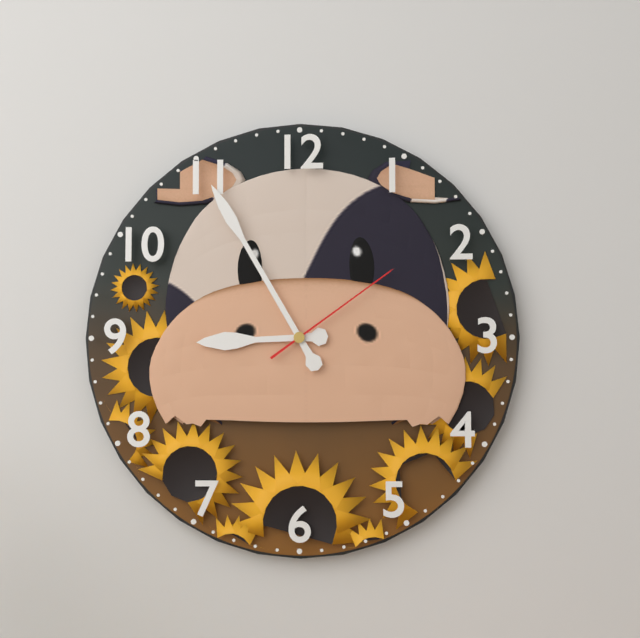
**8:55:09**
